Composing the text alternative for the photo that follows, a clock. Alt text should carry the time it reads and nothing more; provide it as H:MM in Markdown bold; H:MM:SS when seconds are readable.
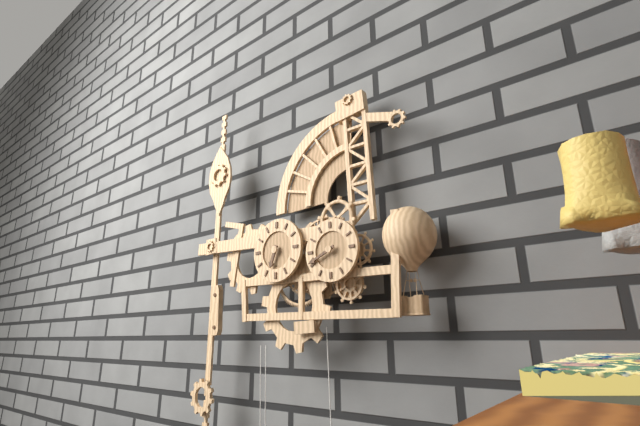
**6:41**
